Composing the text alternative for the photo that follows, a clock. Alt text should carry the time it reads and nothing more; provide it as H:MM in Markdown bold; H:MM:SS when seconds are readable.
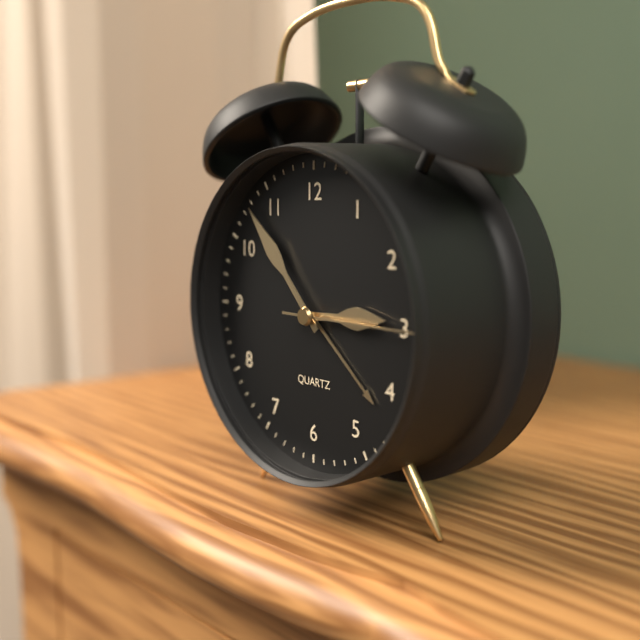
**2:53:15**
